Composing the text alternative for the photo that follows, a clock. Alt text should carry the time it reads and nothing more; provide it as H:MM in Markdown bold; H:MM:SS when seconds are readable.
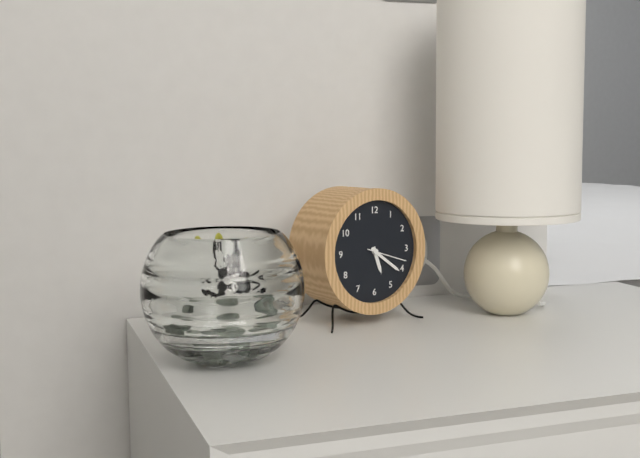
**5:21**
